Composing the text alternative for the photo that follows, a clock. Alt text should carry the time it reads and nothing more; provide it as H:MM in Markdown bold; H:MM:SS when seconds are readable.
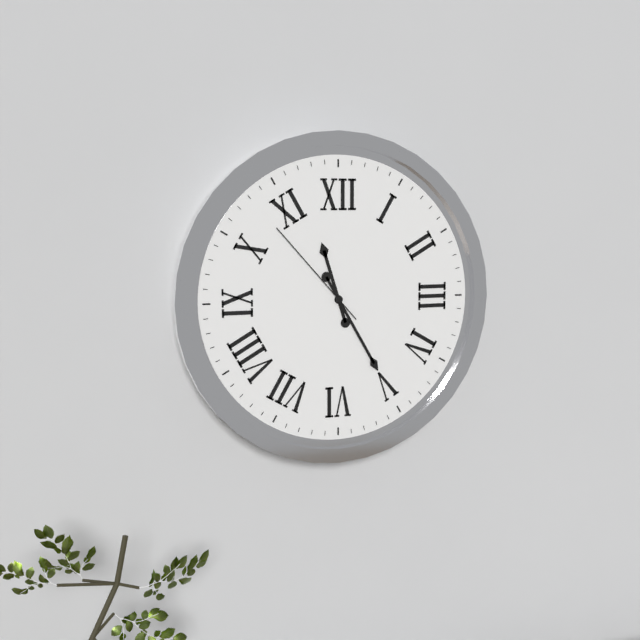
**11:25:53**
